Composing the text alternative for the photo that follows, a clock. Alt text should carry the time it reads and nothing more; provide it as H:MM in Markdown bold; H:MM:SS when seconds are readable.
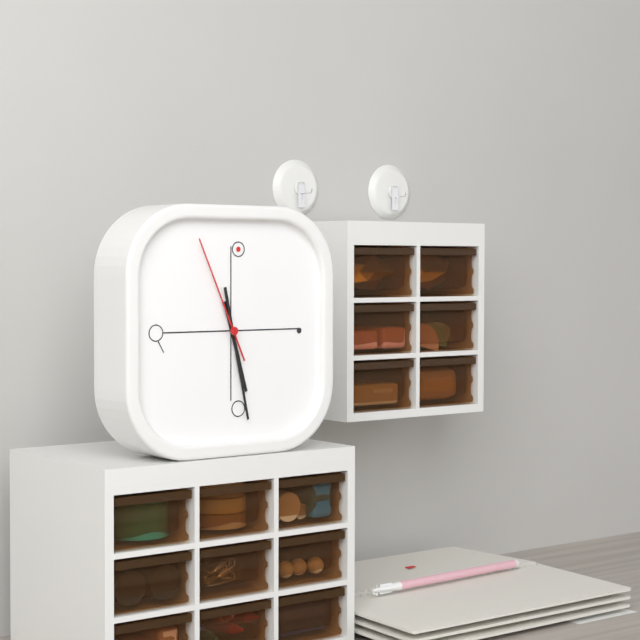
**5:28:56**
